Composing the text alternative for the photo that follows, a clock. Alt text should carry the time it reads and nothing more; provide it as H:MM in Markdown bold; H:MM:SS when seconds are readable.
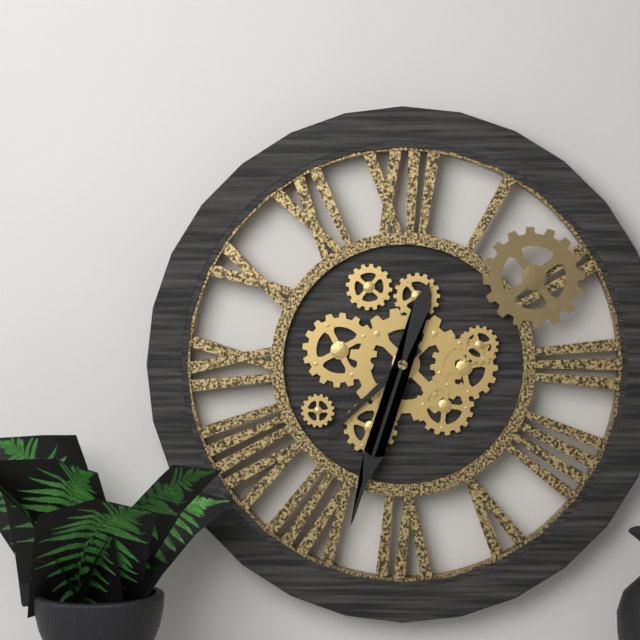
**7:33**
